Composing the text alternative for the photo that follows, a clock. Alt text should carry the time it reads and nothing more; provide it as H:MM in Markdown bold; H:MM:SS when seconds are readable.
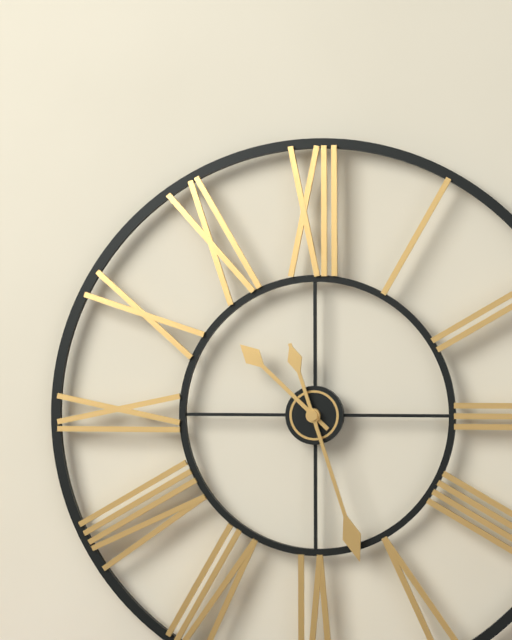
**10:27**
